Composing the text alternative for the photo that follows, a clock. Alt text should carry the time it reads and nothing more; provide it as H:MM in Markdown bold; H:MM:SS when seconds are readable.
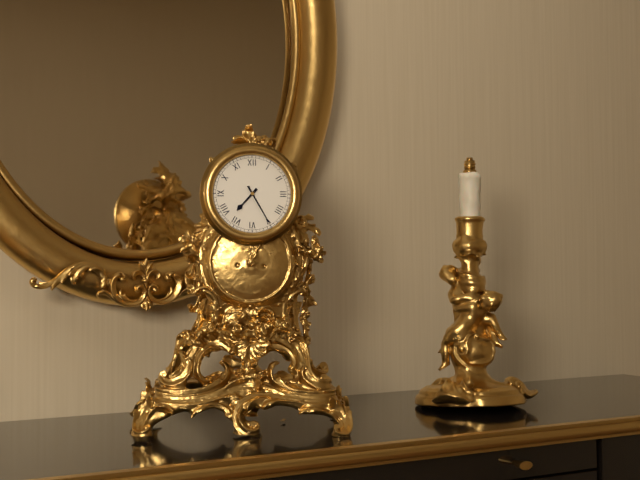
**7:25**
